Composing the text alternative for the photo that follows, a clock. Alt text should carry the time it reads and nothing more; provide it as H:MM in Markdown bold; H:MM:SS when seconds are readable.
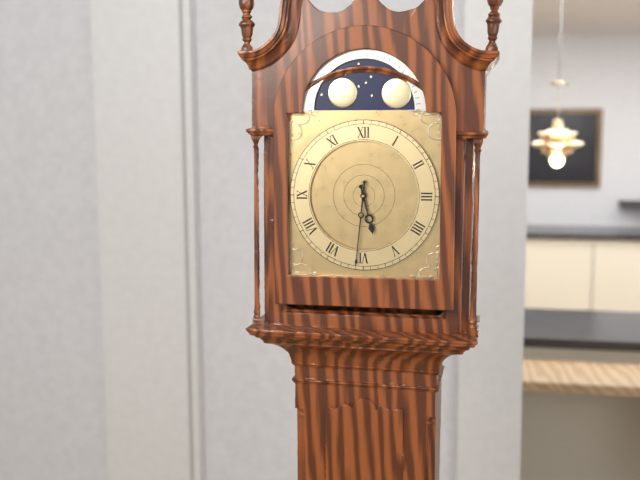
**5:31**
